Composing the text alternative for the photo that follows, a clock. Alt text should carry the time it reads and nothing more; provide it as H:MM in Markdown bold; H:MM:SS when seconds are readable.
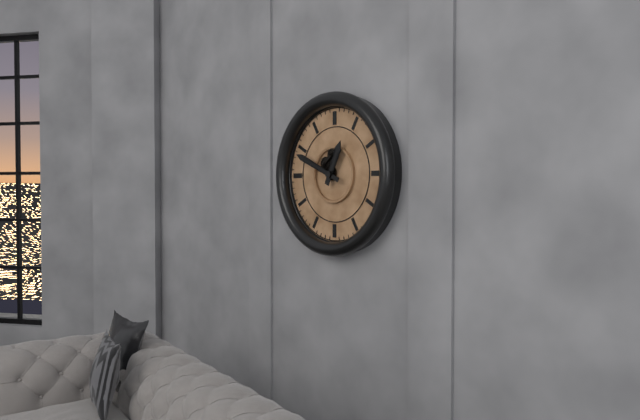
**12:49**
